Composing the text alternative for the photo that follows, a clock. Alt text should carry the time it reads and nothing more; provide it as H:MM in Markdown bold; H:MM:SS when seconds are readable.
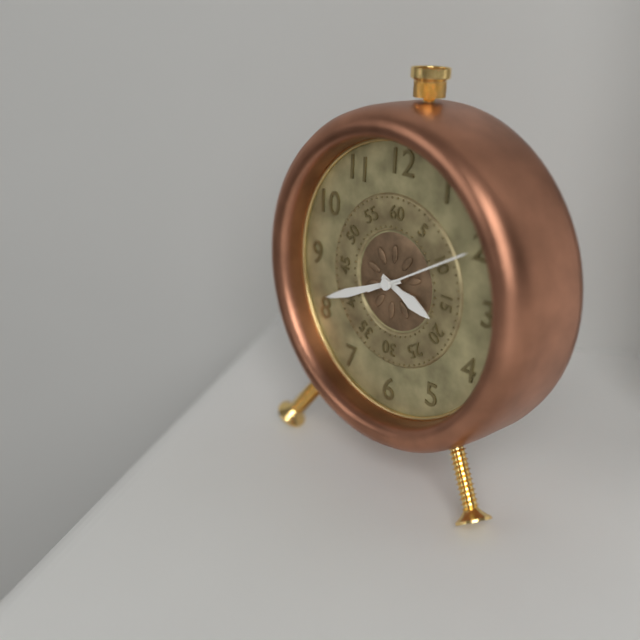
**3:41:10**
